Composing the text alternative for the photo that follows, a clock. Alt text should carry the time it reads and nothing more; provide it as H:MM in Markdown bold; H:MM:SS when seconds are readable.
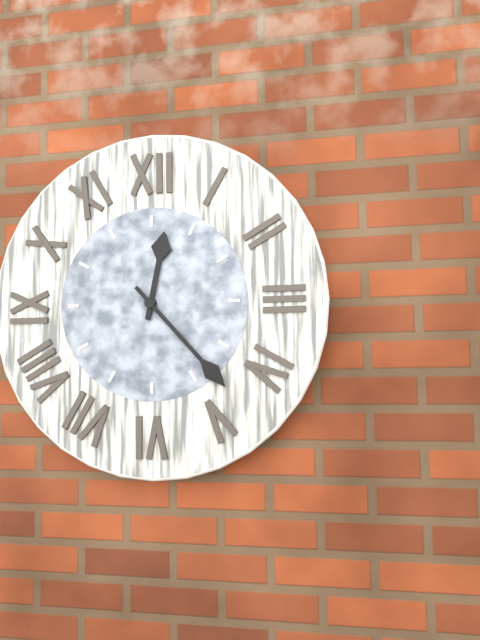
**12:23**
